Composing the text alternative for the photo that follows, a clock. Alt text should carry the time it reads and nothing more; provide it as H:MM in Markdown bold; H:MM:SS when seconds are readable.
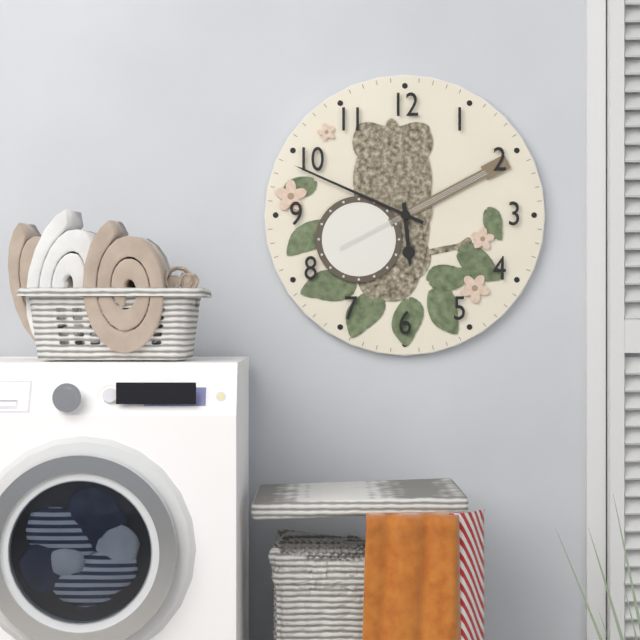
**5:49**
